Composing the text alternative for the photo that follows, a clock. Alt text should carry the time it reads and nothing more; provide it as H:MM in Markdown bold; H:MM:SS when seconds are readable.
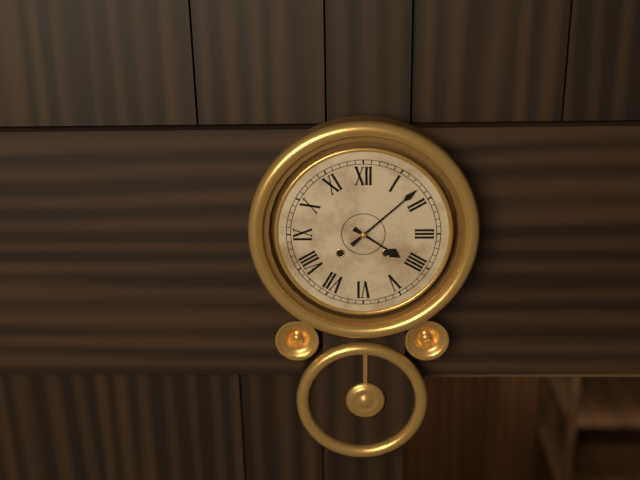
**4:08**
